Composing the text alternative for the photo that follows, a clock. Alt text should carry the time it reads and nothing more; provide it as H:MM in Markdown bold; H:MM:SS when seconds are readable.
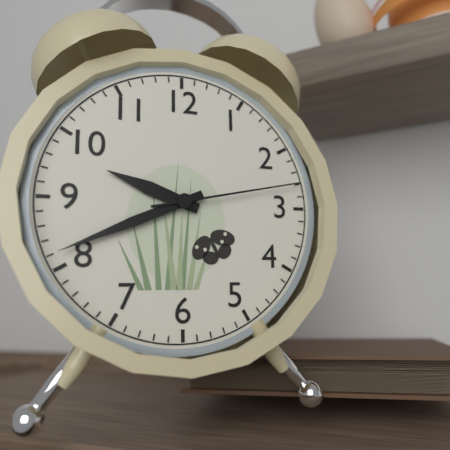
**9:41:13**
